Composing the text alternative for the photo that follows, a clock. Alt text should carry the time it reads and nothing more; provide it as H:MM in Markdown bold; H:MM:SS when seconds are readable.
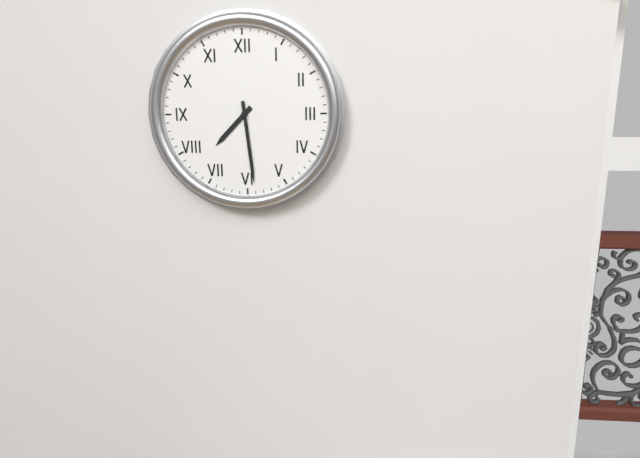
**7:29**
